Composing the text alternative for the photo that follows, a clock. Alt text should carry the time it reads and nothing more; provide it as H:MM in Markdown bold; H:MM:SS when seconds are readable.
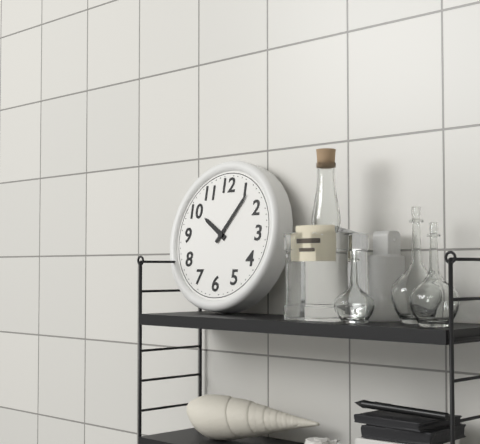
**10:06**
